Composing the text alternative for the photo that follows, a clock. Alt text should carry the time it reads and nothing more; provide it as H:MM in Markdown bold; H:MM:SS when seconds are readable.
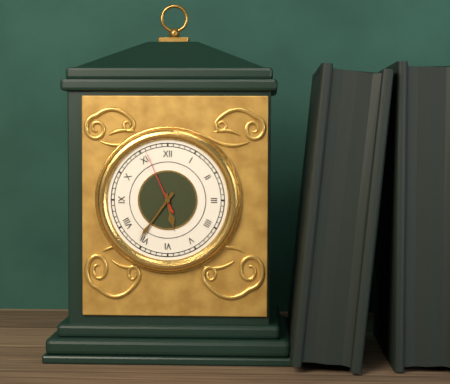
**5:36:56**
